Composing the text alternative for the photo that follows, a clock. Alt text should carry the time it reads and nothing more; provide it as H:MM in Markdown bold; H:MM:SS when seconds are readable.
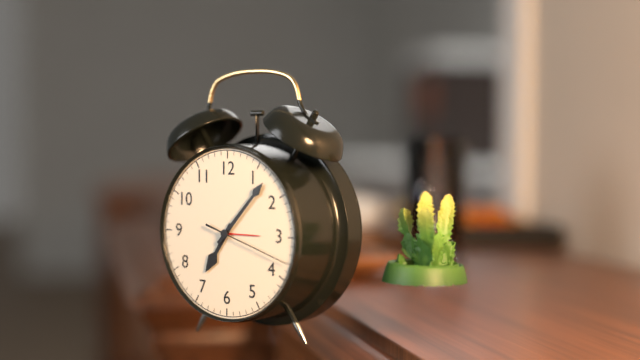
**7:07:18**
